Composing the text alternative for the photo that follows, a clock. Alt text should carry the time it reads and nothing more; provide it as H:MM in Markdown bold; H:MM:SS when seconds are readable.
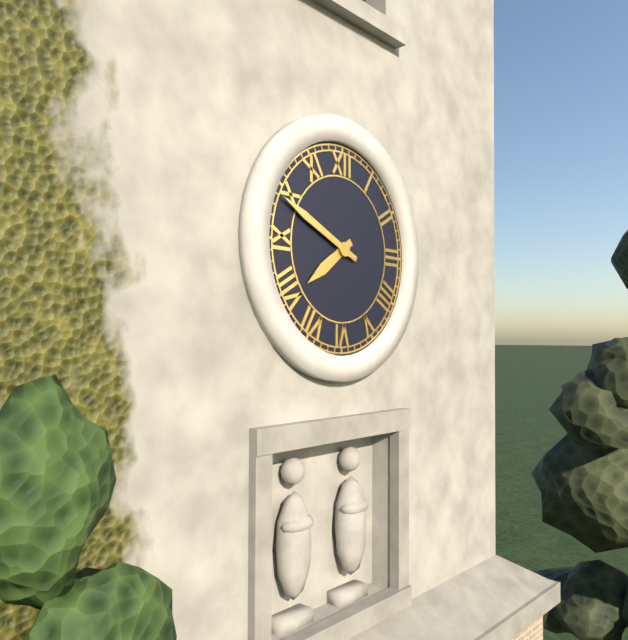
**7:49**
